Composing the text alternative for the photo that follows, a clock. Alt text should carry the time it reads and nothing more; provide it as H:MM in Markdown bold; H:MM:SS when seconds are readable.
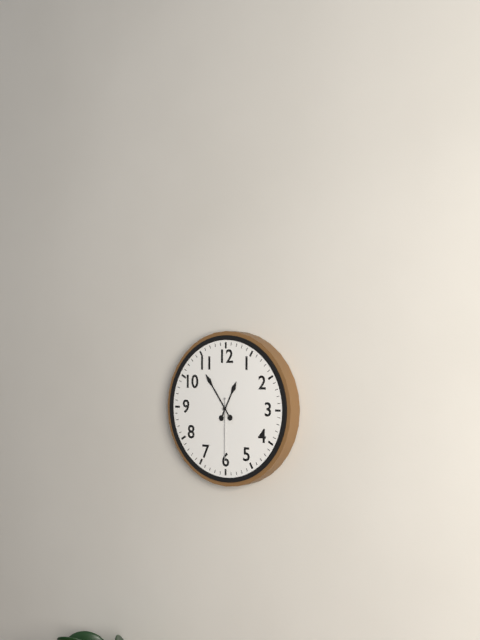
**12:54:30**
